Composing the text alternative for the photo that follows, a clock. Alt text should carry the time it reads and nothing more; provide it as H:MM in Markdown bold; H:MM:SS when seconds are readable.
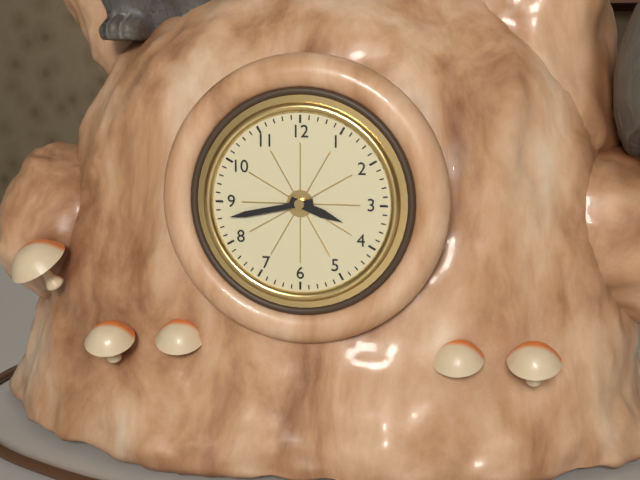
**3:43**
